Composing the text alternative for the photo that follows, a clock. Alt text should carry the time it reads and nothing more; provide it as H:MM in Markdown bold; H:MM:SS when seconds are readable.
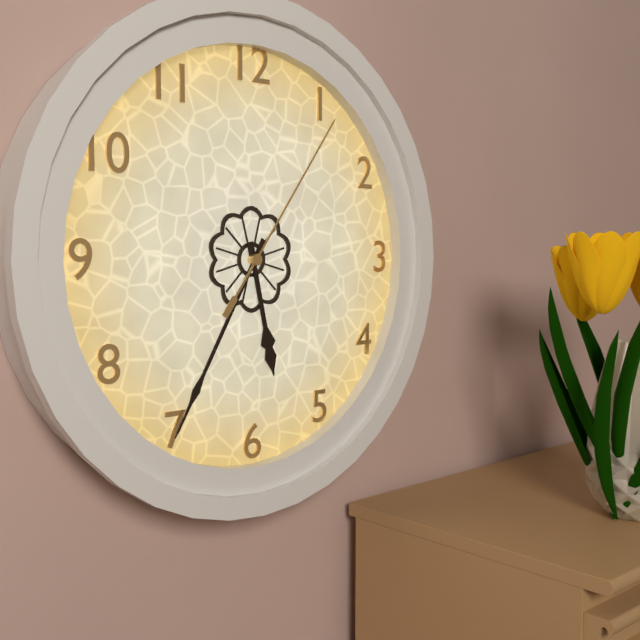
**5:35:06**
